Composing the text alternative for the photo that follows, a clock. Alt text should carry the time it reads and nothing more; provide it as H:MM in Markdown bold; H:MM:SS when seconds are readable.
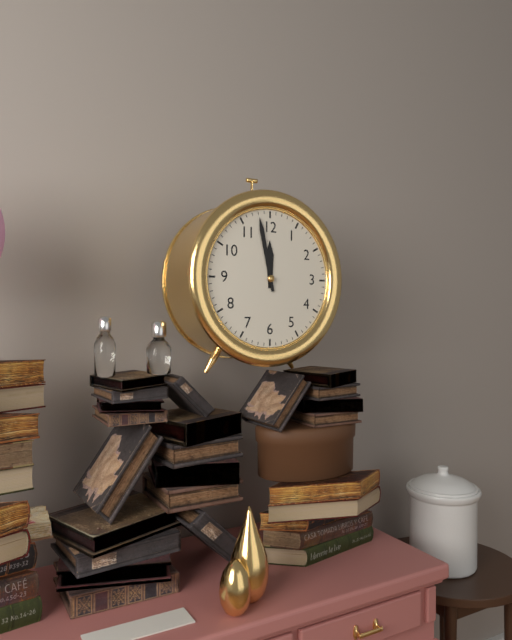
**11:58**
